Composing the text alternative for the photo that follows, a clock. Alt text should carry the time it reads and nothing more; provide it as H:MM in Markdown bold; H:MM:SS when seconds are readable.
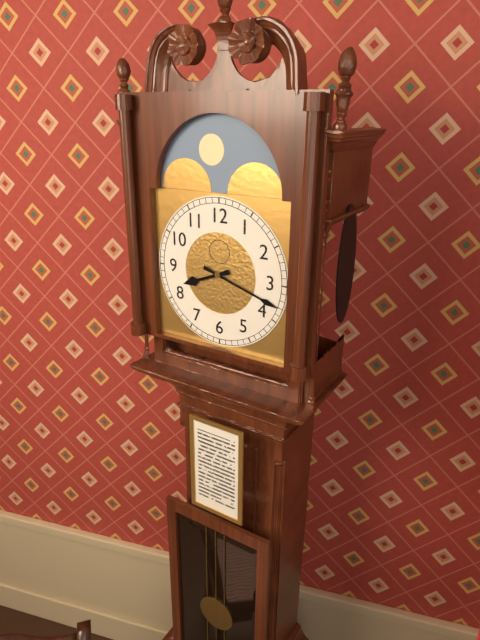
**8:18**
